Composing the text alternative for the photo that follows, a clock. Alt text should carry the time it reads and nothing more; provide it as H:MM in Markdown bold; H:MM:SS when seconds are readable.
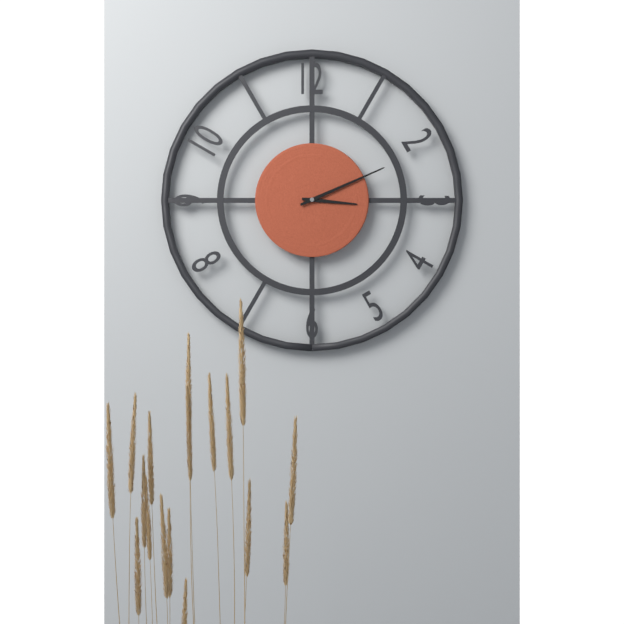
**3:11**
